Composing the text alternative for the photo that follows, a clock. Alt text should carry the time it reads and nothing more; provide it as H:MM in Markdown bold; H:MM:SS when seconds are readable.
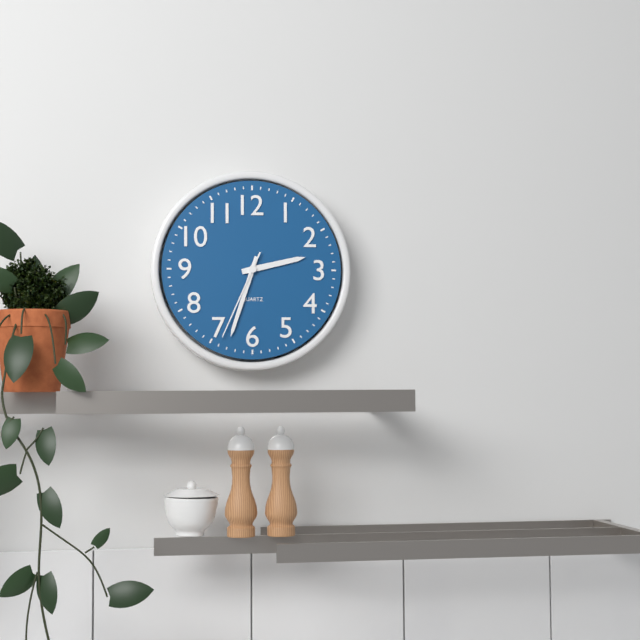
**2:33:34**
